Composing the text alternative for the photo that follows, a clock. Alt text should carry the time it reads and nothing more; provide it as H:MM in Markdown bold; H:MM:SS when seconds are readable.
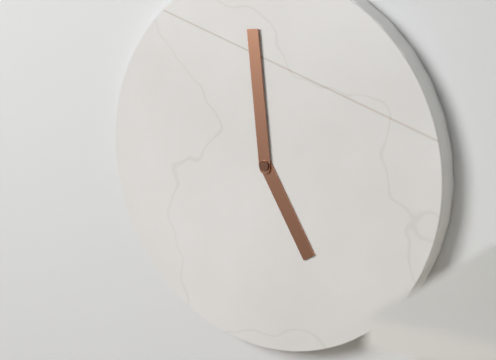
**4:59**
